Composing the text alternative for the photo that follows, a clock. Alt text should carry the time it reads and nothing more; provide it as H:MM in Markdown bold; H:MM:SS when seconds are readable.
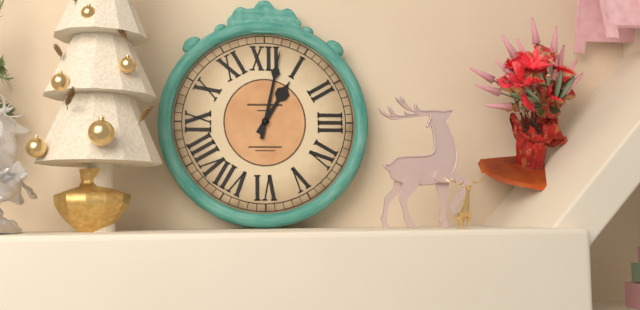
**1:02**
